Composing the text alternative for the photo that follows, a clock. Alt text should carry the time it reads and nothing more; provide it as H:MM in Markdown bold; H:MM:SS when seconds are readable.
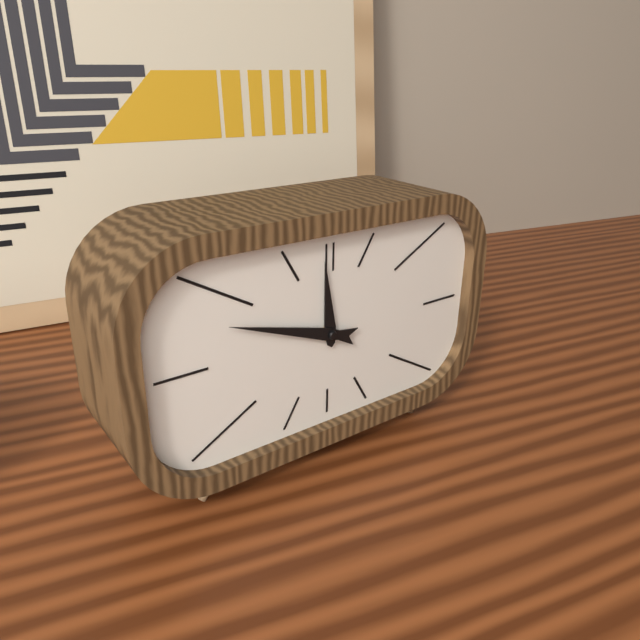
**11:48**
